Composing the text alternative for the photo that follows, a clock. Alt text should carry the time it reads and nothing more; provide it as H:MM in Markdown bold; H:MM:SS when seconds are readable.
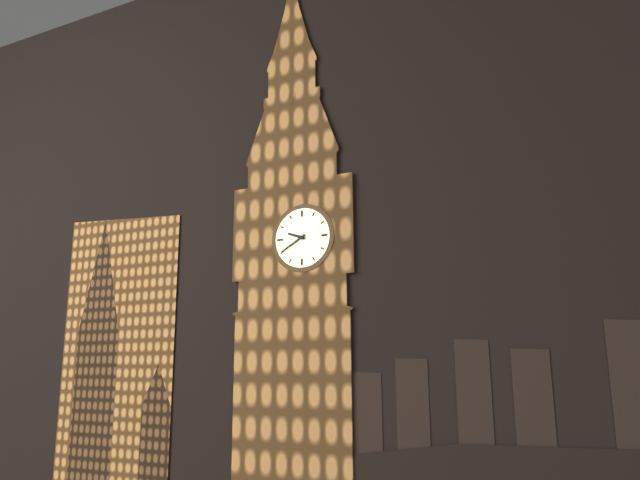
**9:40**
